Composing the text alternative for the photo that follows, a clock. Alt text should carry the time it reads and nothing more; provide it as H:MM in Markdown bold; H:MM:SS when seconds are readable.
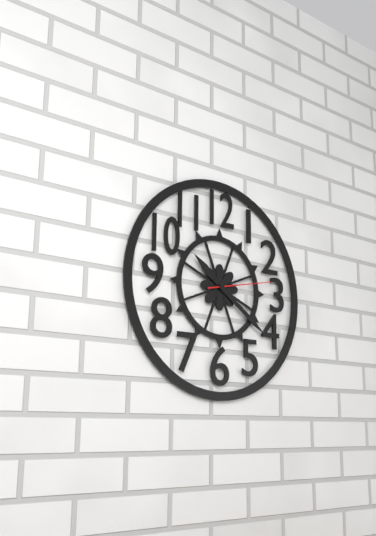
**10:21:13**
